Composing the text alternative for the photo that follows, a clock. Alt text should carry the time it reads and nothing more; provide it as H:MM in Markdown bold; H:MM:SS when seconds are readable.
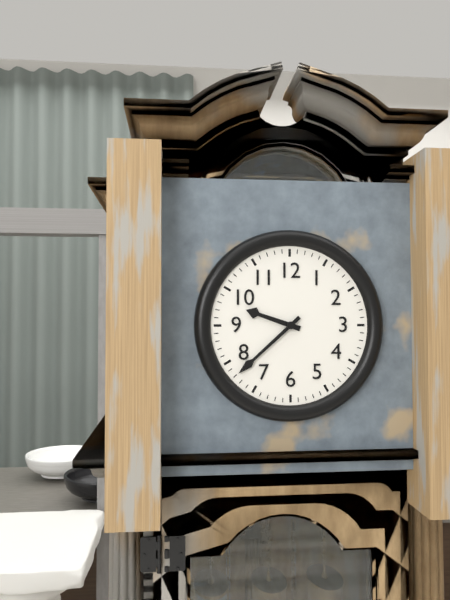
**9:38**
